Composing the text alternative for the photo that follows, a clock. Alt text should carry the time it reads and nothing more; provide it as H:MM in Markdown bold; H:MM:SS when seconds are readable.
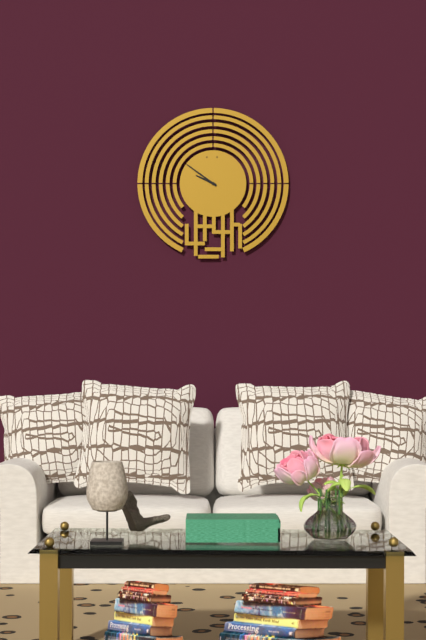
**9:51**
